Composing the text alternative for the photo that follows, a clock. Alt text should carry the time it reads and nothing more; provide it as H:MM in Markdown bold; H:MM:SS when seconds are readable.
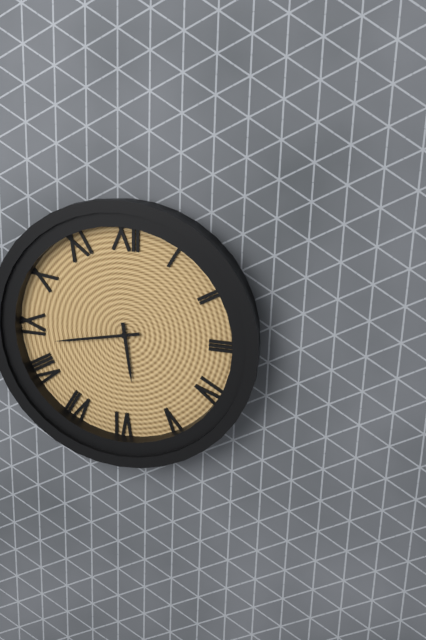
**5:43**
